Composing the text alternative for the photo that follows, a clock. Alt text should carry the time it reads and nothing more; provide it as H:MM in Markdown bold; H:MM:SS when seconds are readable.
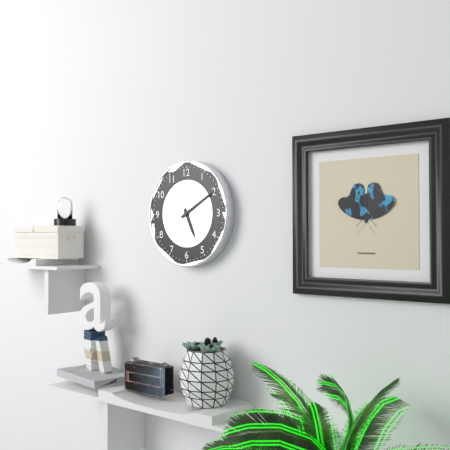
**5:10**
